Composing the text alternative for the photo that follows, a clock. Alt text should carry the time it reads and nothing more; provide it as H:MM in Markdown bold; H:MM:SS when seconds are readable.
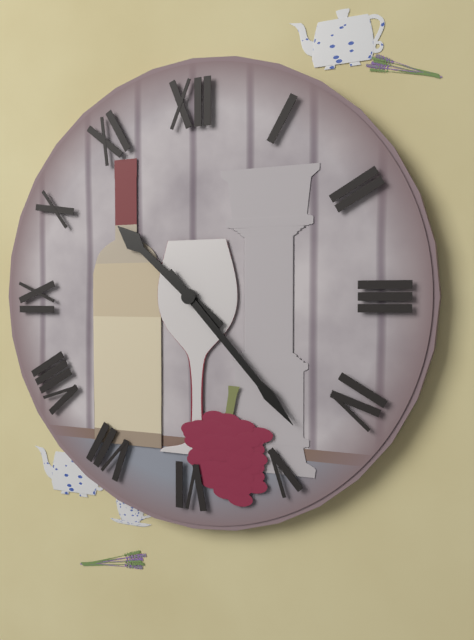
**10:23**
